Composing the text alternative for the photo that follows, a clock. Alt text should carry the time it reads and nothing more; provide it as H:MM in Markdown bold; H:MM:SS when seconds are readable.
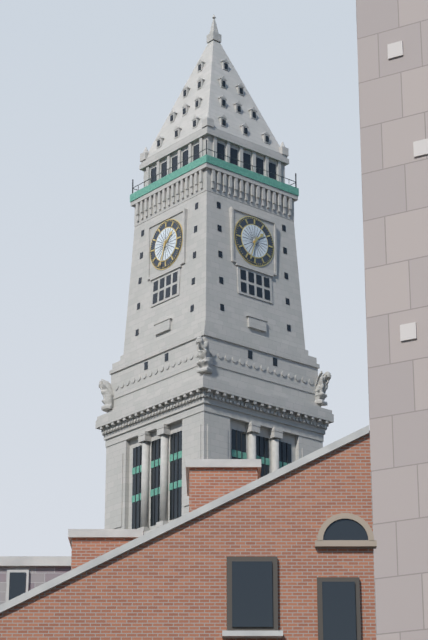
**1:33**
